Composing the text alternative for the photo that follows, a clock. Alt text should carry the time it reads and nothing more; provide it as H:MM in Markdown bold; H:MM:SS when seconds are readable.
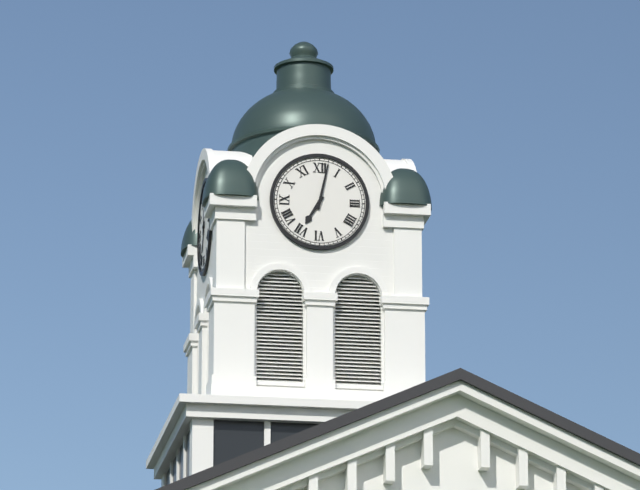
**7:02**
